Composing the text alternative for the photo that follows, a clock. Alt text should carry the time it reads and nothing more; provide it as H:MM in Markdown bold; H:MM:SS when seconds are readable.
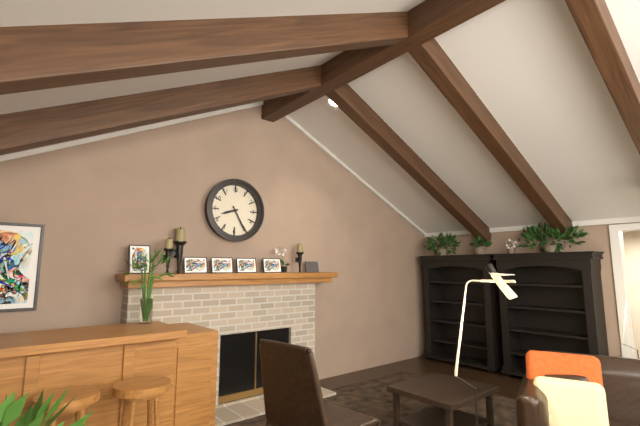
**8:25**
